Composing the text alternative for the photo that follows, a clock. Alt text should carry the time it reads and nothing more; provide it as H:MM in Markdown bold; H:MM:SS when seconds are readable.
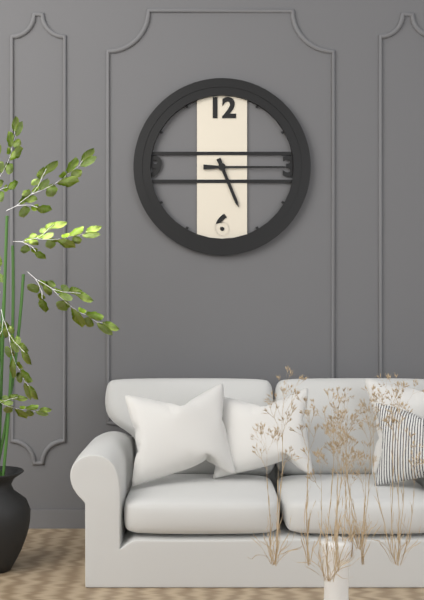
**5:15**
